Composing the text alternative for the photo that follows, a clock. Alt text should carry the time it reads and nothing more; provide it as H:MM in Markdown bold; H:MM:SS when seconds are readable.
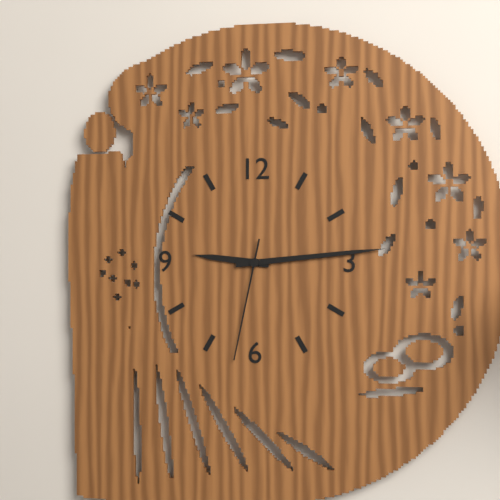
**9:14:32**
